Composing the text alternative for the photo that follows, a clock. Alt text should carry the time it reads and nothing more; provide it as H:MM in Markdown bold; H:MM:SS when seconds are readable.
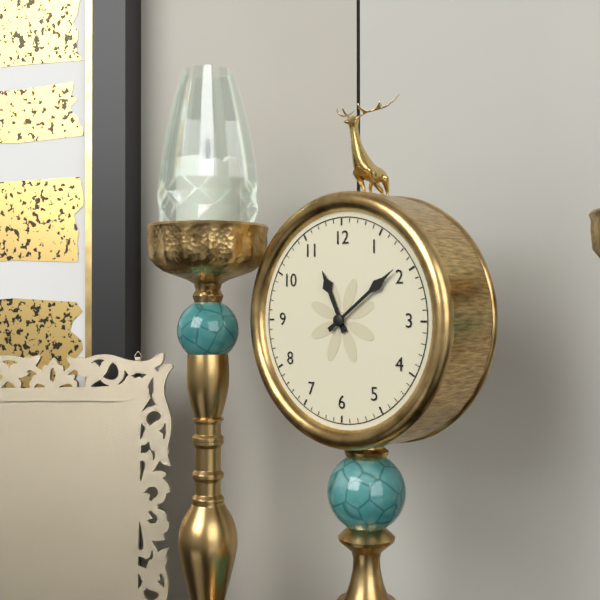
**11:09**
